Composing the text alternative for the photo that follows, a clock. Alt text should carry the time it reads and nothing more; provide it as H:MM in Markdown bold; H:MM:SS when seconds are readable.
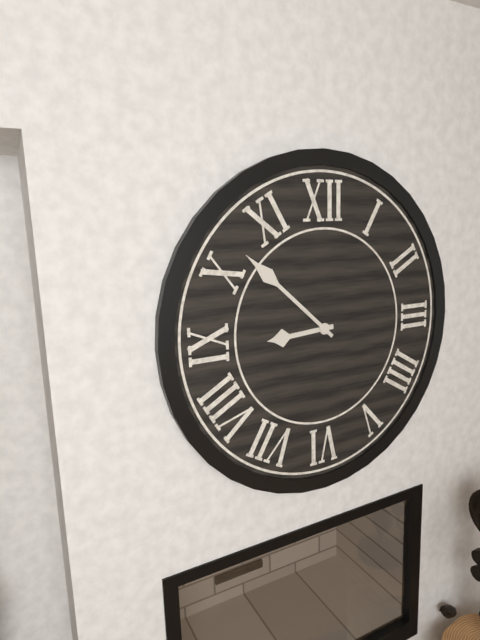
**8:52**
